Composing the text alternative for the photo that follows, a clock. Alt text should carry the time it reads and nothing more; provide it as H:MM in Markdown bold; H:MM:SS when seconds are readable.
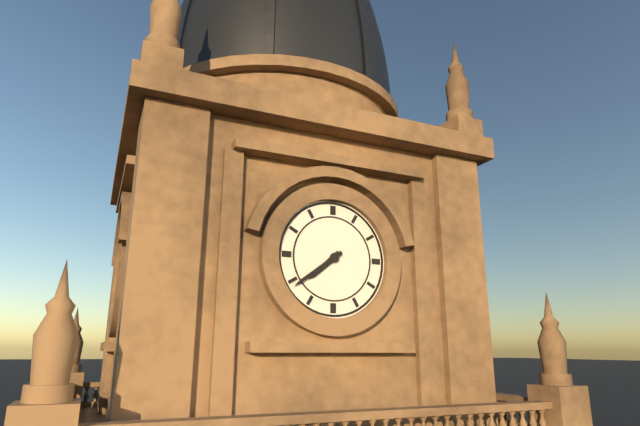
**7:39**
